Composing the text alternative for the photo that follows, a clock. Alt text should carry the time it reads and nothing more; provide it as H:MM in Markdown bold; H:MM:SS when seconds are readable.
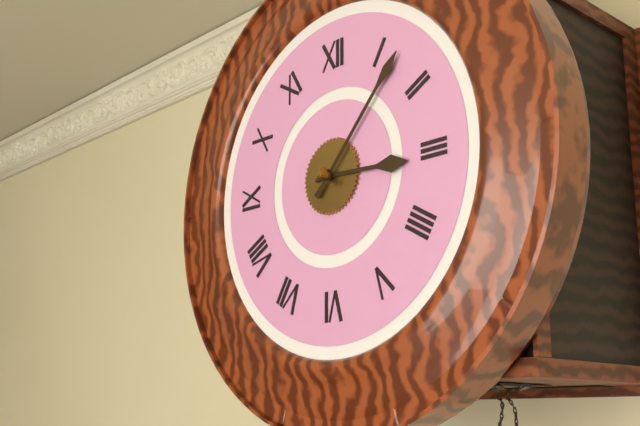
**3:07**
